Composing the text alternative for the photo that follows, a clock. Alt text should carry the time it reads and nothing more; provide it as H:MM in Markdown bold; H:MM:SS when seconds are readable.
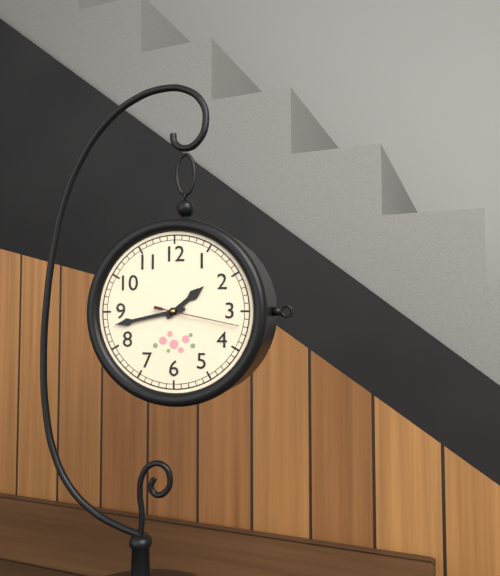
**1:43:17**
